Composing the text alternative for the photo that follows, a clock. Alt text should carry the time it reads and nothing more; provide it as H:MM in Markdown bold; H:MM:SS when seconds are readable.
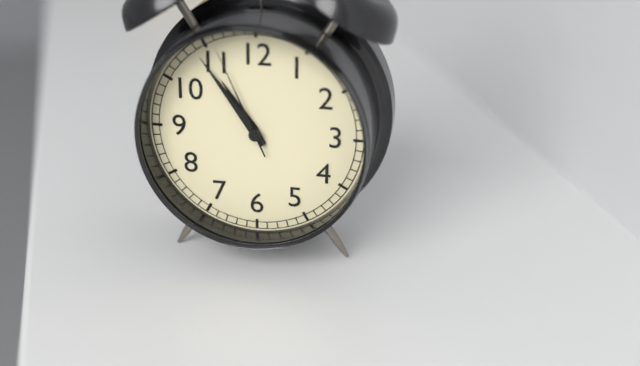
**10:54:56**
